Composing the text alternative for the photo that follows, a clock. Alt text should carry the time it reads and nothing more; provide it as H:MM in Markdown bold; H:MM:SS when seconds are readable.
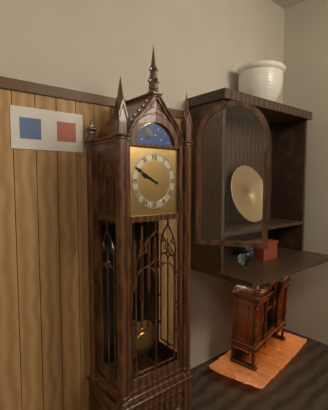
**9:50**
